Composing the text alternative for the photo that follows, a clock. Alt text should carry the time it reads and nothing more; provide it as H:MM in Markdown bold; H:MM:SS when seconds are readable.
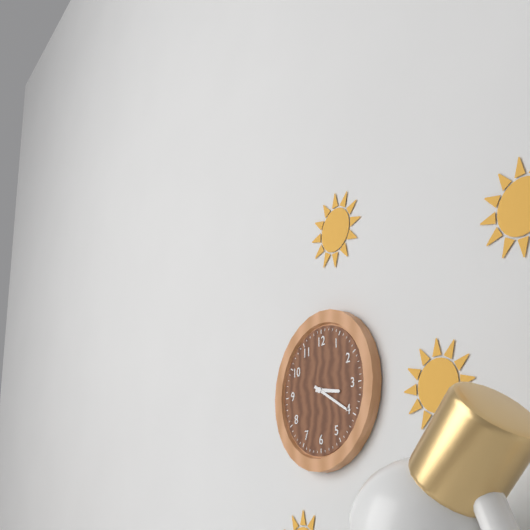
**3:20**
